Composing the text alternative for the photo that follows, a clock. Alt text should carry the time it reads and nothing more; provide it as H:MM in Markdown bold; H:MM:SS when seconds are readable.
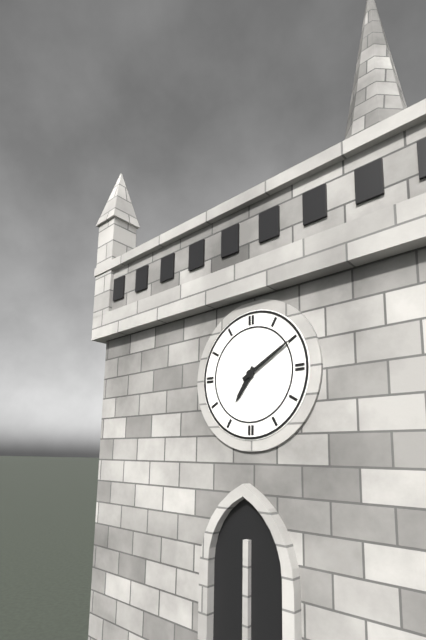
**7:10**
